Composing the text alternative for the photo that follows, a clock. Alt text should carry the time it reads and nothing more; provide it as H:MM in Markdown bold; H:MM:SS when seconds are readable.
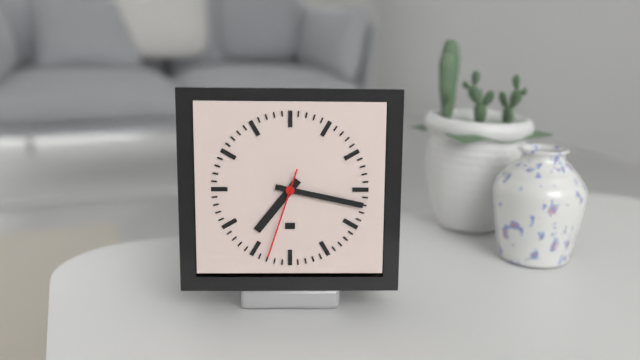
**7:17:33**
